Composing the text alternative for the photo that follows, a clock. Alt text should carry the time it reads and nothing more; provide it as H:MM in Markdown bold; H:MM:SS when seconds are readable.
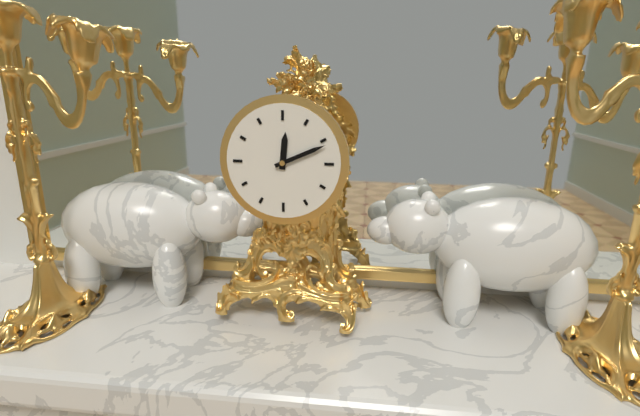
**12:11**
